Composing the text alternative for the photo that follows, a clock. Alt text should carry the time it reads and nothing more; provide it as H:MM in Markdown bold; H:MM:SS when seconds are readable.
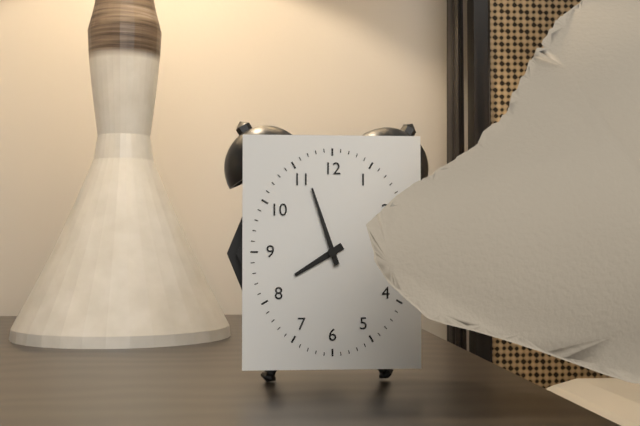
**7:57**
